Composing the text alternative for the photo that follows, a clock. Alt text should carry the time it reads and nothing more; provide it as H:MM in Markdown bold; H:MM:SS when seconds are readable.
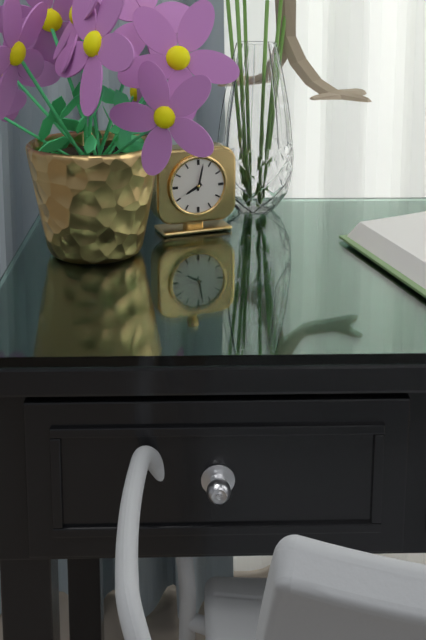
**8:02**
